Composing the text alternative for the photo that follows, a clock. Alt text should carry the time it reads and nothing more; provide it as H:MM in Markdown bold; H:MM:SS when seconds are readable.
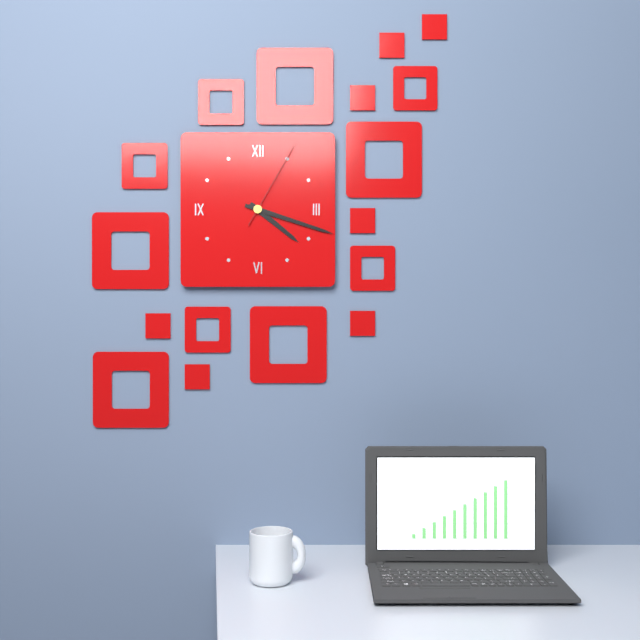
**4:18:05**
